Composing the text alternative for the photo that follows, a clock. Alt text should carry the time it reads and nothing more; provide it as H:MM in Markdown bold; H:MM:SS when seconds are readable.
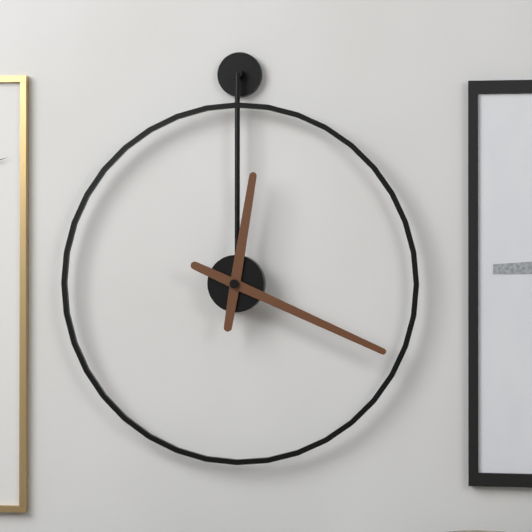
**12:19**
